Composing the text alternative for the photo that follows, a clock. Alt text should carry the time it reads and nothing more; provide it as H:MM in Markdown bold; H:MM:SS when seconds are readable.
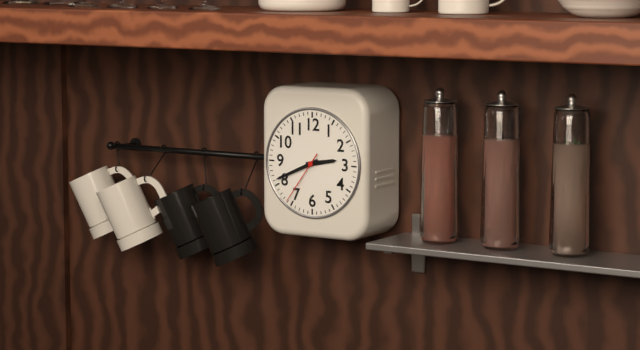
**2:41:36**
